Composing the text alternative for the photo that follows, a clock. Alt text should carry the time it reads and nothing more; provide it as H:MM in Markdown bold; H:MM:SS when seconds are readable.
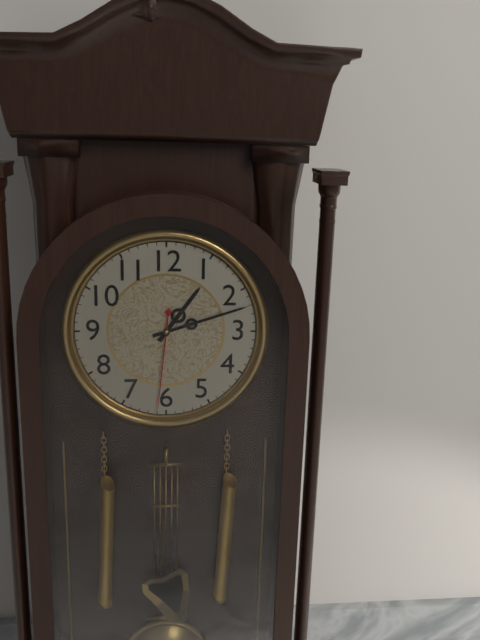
**1:12:31**
